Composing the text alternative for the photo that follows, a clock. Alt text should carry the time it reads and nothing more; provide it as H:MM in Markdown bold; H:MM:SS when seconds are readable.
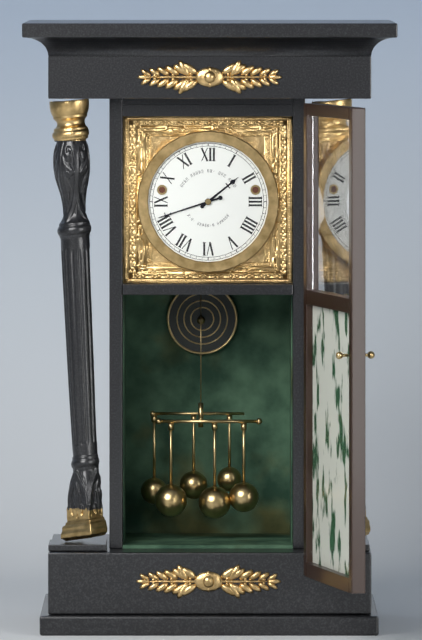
**1:42**
